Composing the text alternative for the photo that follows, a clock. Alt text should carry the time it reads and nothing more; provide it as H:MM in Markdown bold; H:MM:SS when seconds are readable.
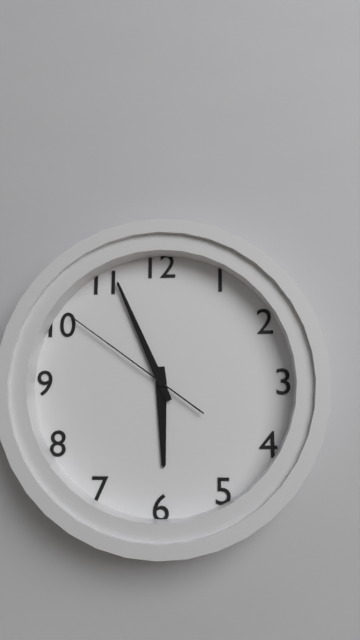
**5:56:51**
